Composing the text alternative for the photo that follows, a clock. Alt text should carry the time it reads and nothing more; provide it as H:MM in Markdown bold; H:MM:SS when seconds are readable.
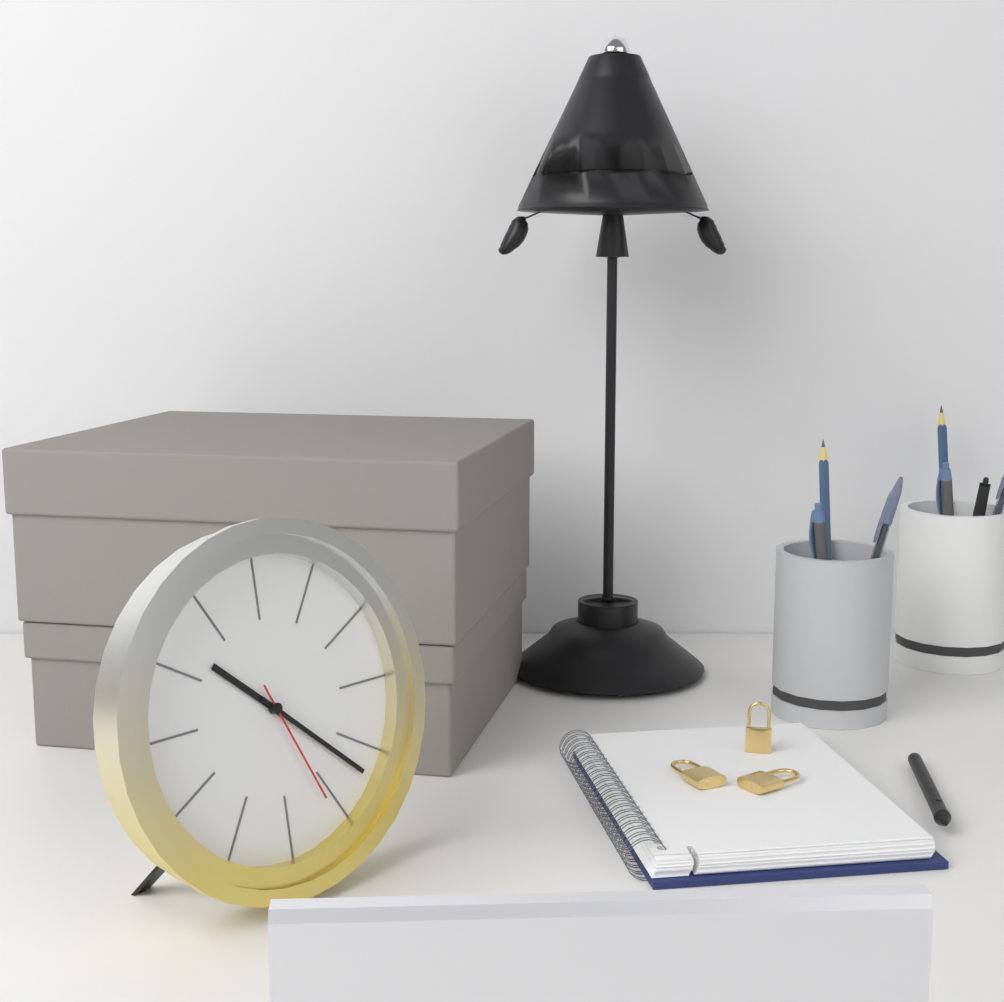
**10:22:26**
